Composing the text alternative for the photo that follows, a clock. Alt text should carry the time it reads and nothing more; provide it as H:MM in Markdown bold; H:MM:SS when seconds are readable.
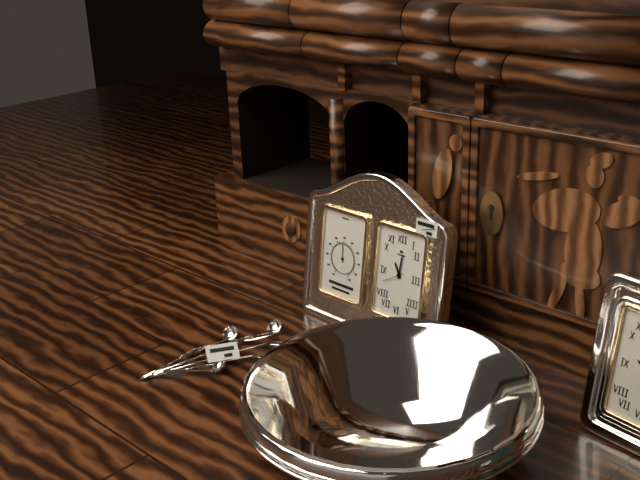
**11:01**
